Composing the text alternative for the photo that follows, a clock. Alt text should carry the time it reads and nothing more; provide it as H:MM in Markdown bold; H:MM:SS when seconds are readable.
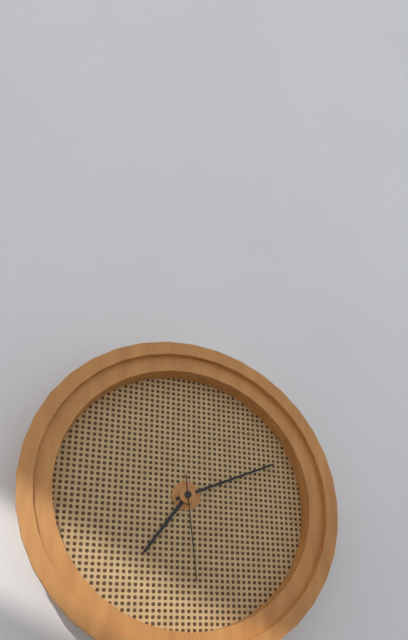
**7:11:29**
